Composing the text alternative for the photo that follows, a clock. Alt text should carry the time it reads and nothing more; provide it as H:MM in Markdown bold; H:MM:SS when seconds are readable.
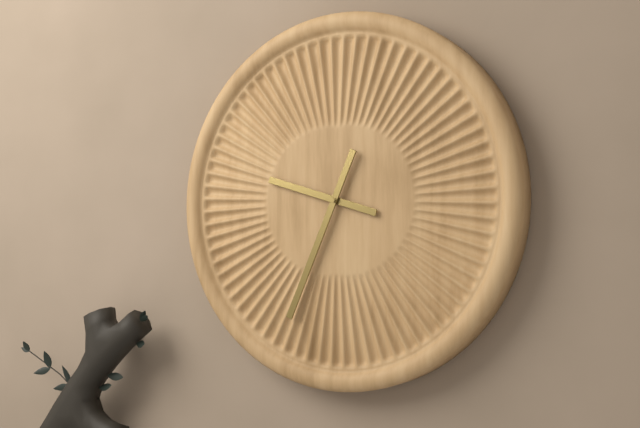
**9:34**
